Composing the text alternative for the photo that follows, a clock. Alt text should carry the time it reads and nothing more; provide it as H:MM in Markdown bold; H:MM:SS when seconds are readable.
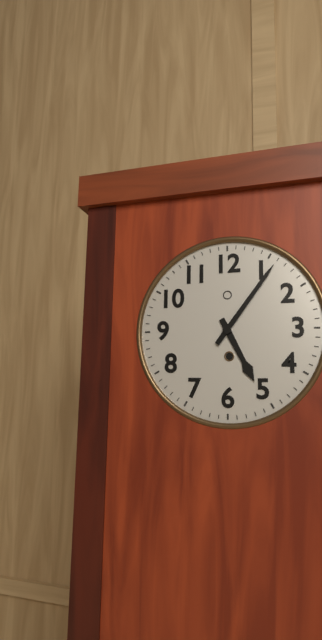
**5:06**
